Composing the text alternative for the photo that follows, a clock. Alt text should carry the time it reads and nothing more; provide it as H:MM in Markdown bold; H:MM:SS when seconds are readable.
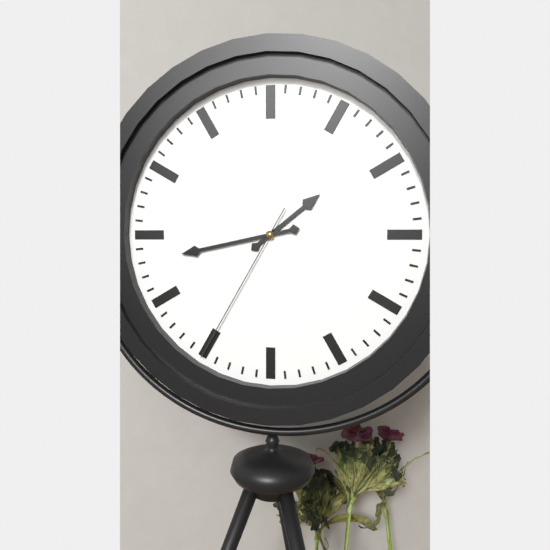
**1:43:35**
